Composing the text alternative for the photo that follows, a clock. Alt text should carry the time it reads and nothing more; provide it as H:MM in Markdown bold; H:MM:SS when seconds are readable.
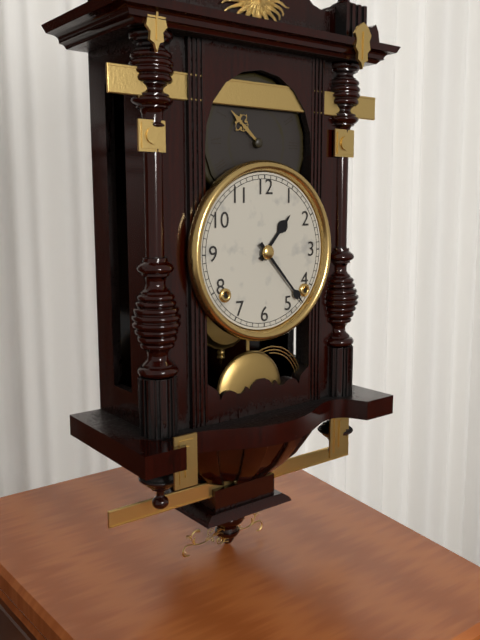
**1:23**
